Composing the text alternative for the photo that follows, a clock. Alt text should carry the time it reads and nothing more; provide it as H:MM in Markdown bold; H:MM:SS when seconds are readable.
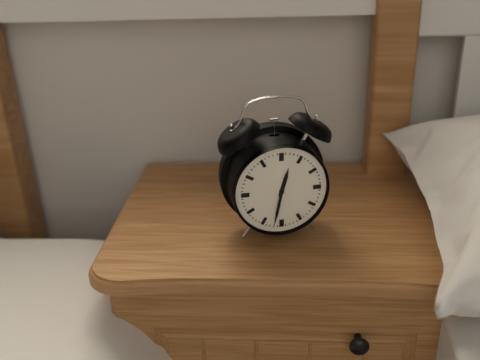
**12:32**
